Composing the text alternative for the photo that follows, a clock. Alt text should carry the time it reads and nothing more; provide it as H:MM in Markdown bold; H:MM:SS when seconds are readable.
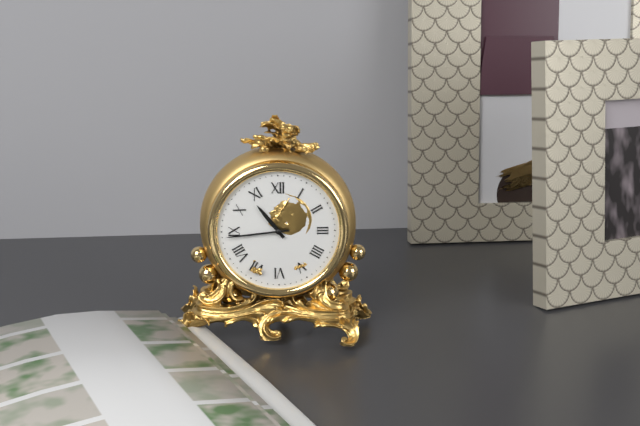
**10:44**
